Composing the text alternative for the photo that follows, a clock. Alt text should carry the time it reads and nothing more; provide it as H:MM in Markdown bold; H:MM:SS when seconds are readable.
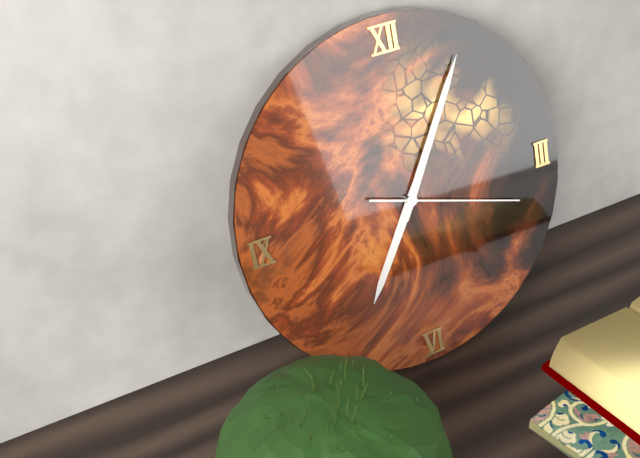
**7:05:18**
